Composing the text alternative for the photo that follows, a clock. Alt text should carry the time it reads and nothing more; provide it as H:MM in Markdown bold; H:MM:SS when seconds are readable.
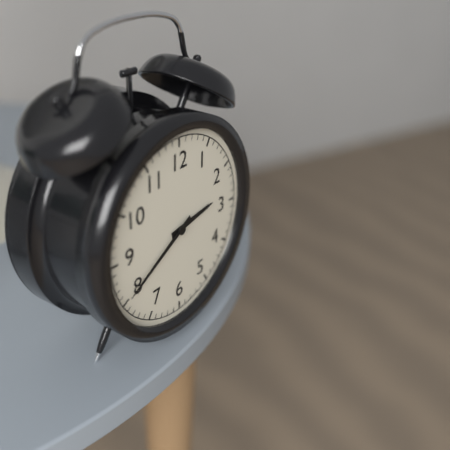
**2:40**
